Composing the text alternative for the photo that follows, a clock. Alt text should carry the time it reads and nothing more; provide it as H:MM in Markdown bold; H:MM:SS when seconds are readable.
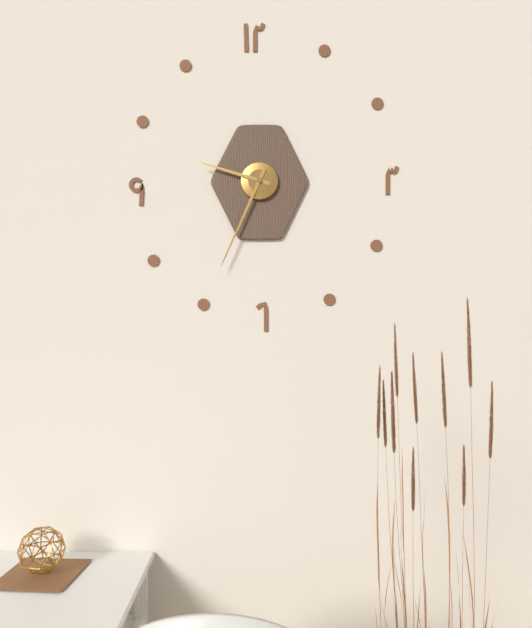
**9:34**
